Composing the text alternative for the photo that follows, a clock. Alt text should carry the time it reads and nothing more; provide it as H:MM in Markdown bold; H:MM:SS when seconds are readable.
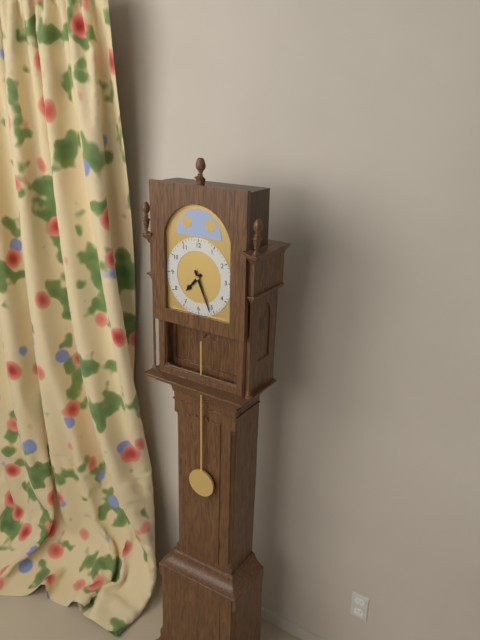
**7:26**
